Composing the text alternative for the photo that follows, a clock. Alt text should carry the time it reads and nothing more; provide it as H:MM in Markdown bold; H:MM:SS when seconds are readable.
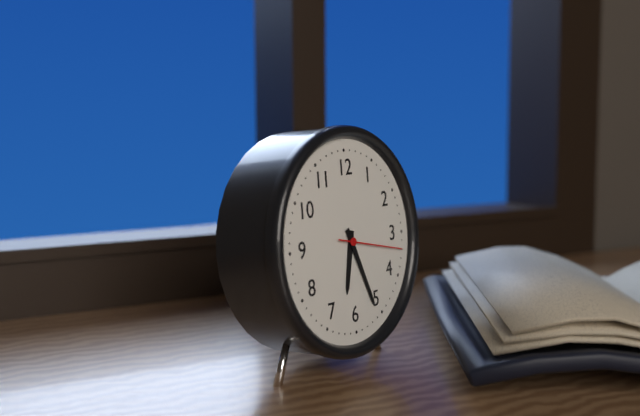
**6:26:17**
